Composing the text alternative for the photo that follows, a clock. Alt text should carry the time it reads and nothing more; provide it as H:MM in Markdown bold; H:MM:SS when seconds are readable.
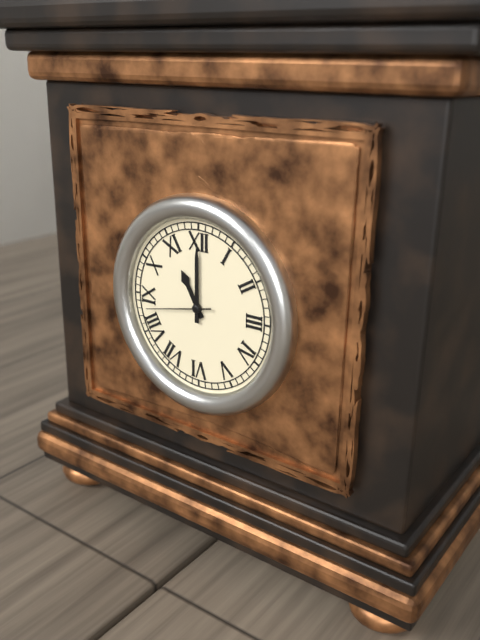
**11:00:43**
